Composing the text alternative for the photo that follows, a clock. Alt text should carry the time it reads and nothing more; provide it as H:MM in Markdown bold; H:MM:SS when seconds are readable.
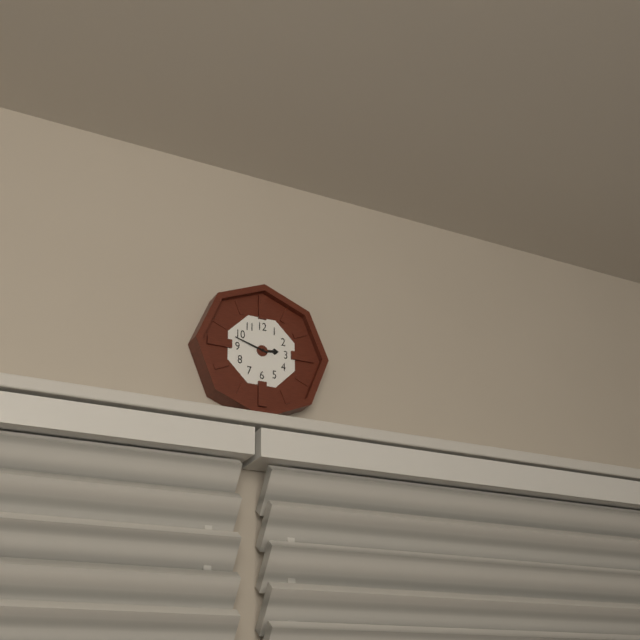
**2:48**
